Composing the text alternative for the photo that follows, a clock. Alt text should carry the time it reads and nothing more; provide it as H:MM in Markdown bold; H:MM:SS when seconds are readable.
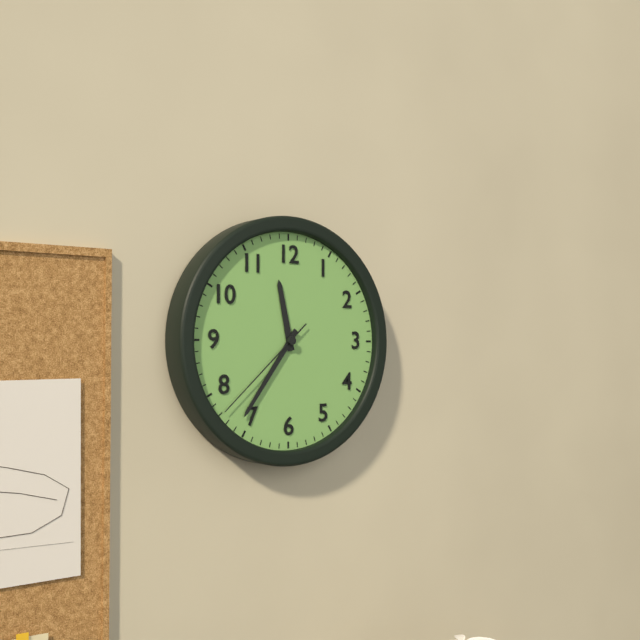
**11:36:38**
